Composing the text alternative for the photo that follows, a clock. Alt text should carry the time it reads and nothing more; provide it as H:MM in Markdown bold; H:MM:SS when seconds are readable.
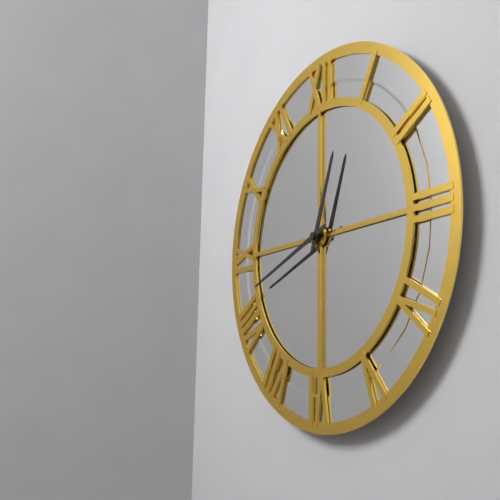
**12:42**
